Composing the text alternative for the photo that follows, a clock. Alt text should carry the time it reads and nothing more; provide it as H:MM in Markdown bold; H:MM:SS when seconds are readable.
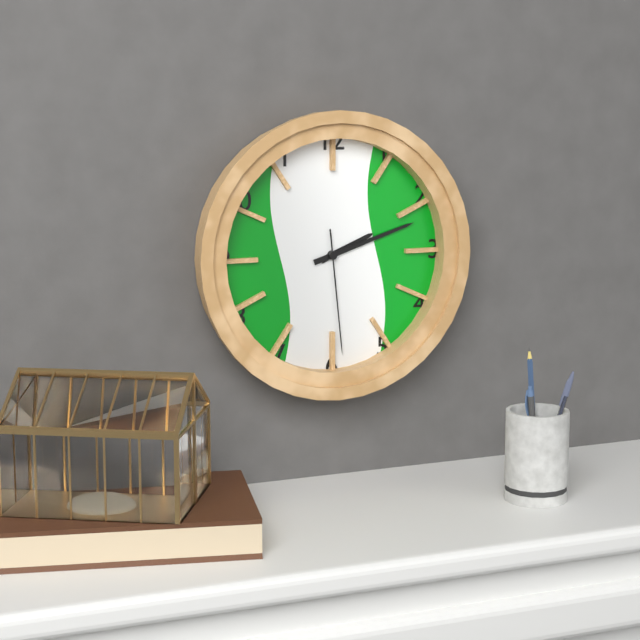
**2:12:29**
